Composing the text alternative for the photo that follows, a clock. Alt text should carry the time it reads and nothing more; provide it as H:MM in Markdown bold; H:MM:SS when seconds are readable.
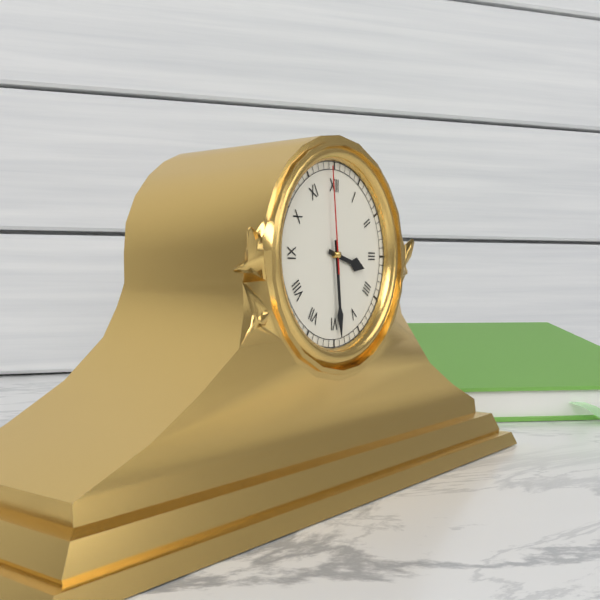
**3:29:59**
